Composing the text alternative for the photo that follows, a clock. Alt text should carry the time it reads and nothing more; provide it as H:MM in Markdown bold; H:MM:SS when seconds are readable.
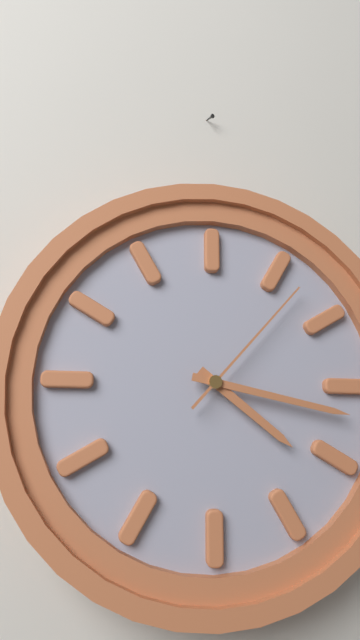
**4:17:07**
